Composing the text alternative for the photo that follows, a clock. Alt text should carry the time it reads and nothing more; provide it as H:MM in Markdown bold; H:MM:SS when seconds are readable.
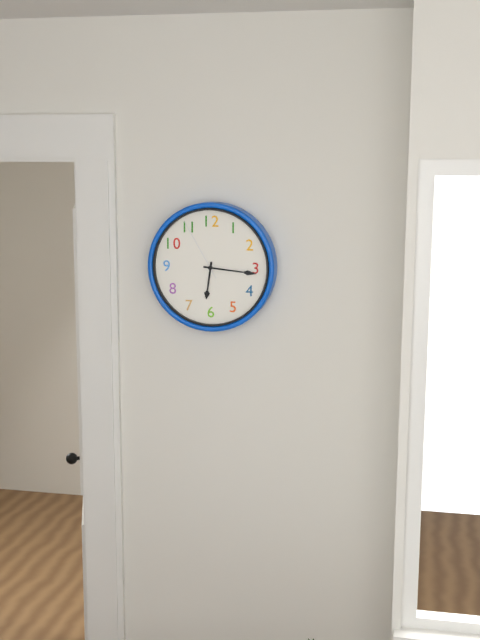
**6:16:55**
